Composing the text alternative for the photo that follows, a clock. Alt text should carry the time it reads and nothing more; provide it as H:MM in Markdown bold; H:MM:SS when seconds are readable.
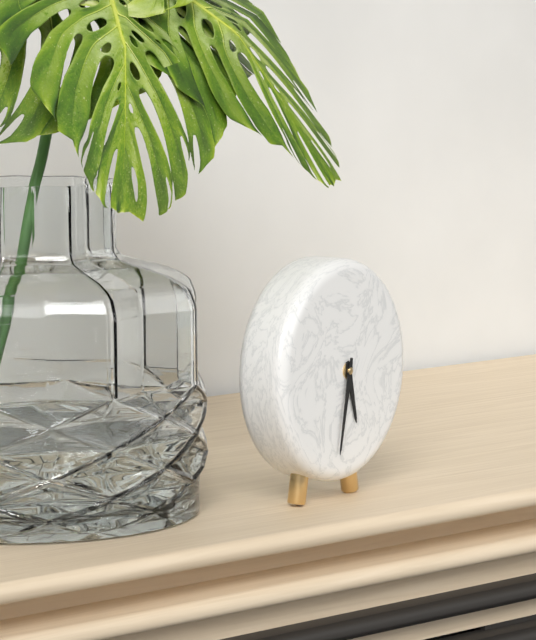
**5:32**
